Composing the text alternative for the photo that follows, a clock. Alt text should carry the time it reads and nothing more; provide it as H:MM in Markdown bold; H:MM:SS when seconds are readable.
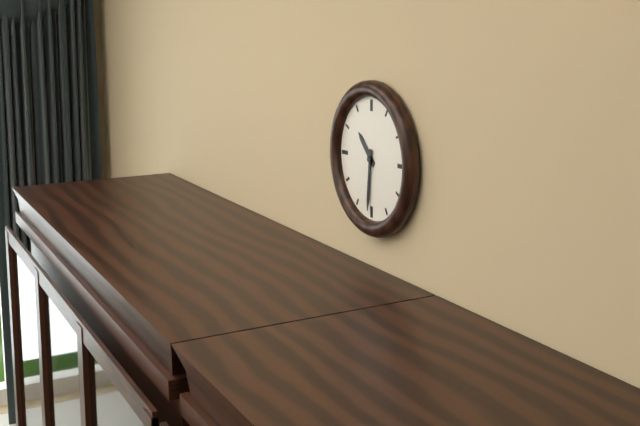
**10:31**
